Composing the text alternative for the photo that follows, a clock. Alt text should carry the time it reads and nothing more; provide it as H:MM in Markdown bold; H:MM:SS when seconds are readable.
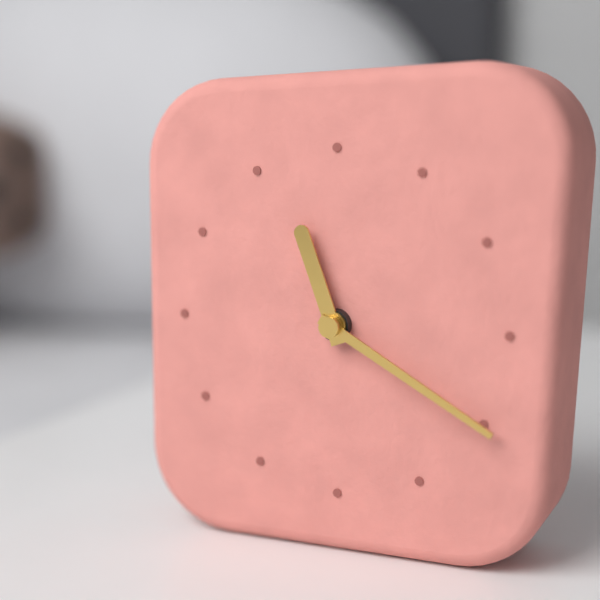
**11:20**
